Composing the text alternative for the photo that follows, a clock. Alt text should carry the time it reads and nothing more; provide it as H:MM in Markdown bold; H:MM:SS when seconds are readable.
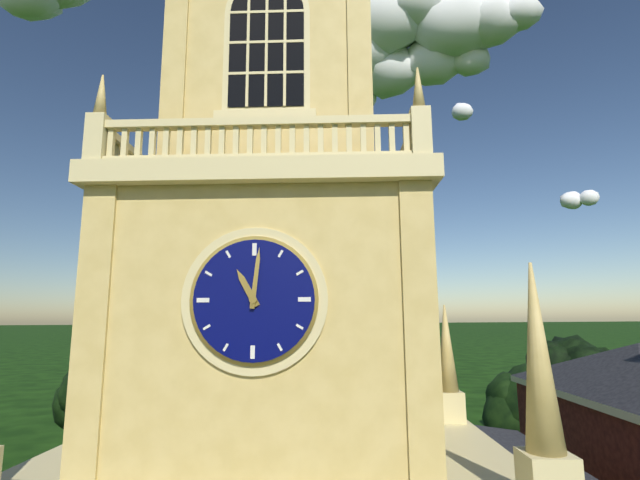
**11:01**
